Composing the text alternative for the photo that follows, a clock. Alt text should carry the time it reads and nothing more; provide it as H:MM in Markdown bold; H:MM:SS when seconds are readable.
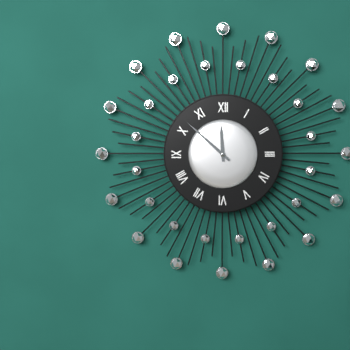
**11:52**
